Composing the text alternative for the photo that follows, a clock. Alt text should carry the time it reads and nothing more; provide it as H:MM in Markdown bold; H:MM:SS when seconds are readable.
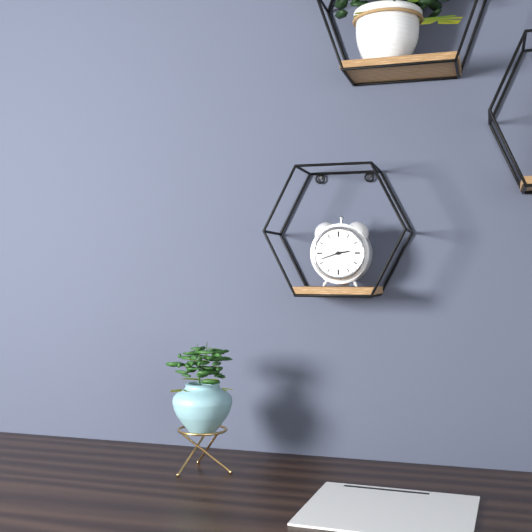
**2:42**
